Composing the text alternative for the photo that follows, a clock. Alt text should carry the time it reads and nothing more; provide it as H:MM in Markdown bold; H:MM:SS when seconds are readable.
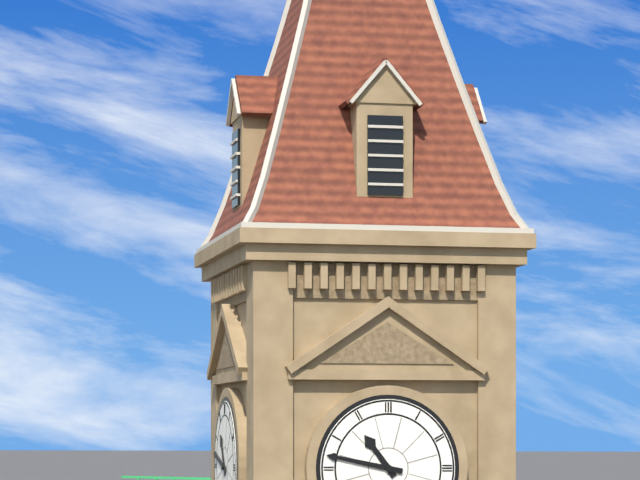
**10:47**
